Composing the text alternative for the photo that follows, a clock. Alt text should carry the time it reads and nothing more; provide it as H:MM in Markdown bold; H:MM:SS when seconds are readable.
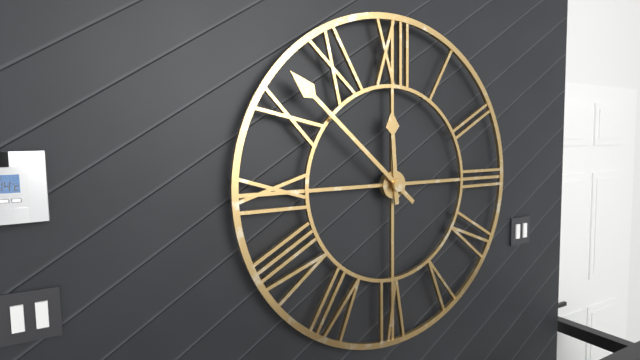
**11:52**
